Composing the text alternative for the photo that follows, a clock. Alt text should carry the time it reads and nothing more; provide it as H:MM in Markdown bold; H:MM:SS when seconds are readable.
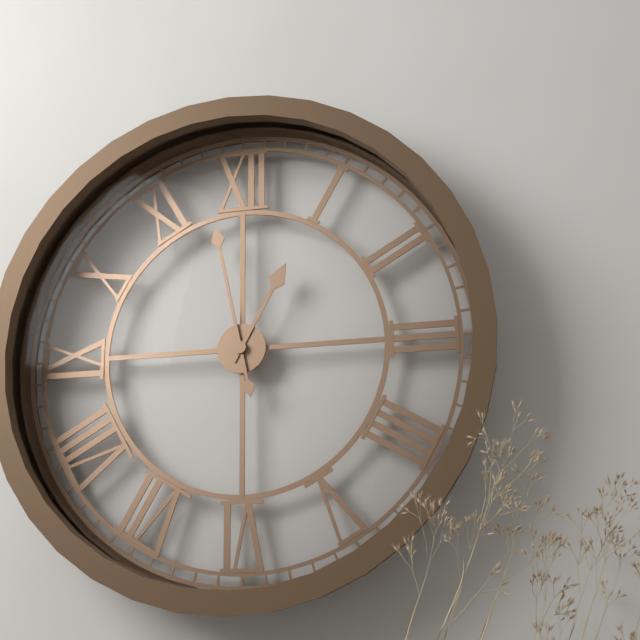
**12:58**
